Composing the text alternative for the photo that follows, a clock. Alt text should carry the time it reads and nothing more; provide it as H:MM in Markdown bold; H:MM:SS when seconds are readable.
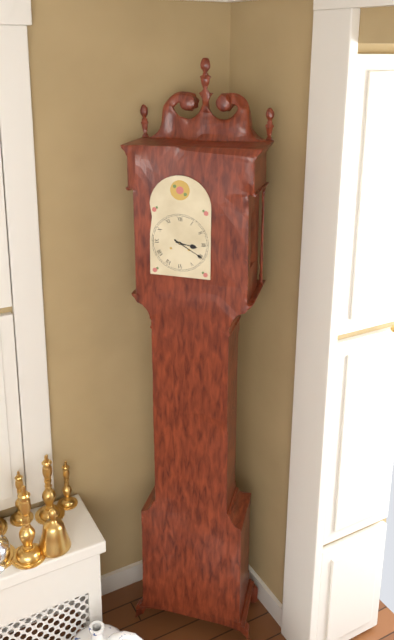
**3:20**
